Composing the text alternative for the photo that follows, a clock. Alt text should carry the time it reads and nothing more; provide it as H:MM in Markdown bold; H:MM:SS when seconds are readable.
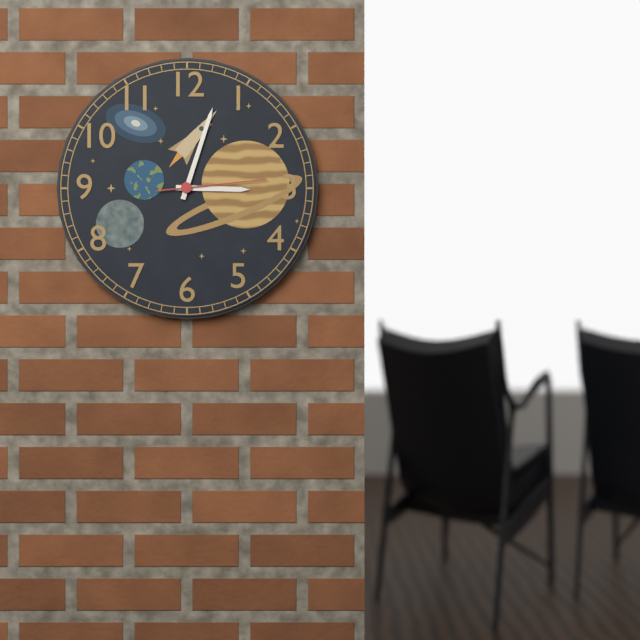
**3:03:14**
